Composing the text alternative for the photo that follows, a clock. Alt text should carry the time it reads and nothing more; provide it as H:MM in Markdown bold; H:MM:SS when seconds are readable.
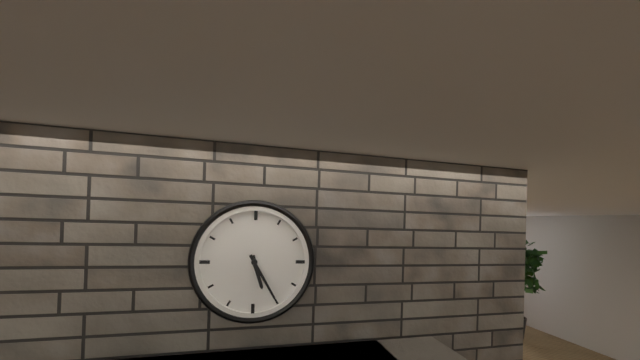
**5:25**
